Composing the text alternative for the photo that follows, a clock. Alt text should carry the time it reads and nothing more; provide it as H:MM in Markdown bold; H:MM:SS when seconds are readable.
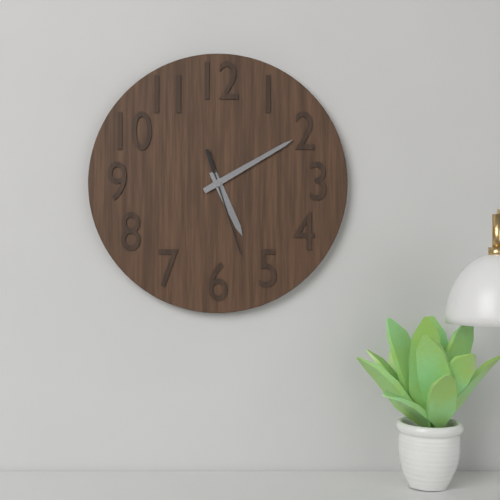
**5:10:27**
